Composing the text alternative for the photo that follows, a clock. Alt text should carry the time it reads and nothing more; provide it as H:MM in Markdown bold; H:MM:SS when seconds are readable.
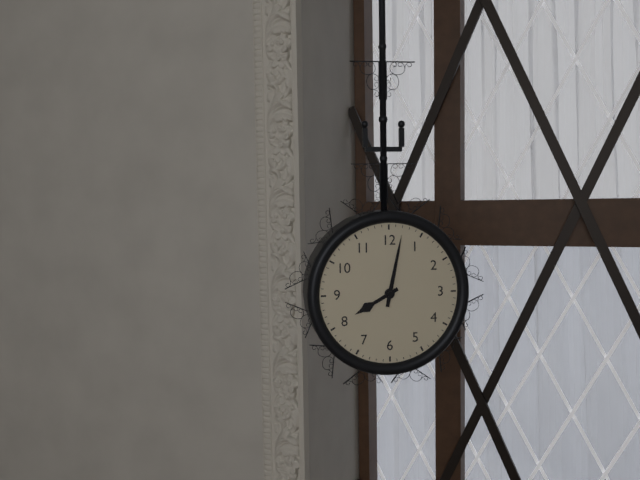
**8:02**
